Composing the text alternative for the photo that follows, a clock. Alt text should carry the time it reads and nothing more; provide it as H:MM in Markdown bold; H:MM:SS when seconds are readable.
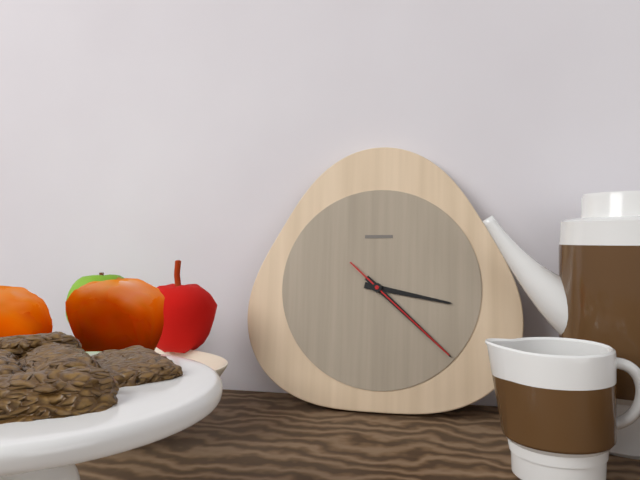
**3:22:22**
